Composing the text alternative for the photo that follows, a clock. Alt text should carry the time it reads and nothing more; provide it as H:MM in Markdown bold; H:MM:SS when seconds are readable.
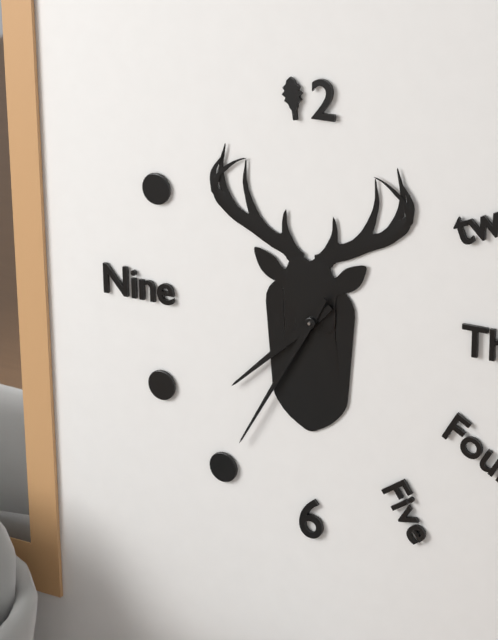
**7:35**
